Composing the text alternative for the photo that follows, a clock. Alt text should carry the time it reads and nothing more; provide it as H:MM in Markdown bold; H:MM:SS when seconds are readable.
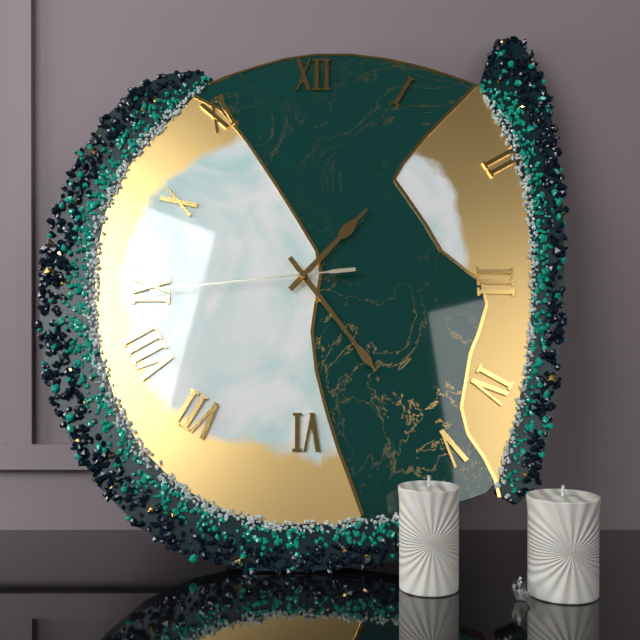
**1:24:44**
